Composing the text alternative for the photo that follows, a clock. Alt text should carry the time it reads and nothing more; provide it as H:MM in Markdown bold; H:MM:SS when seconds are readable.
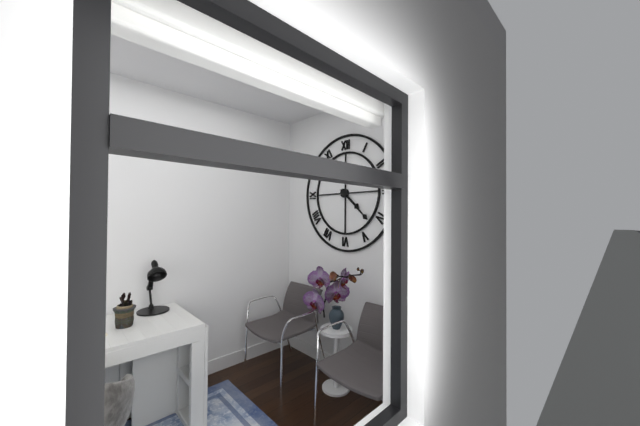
**4:22**
